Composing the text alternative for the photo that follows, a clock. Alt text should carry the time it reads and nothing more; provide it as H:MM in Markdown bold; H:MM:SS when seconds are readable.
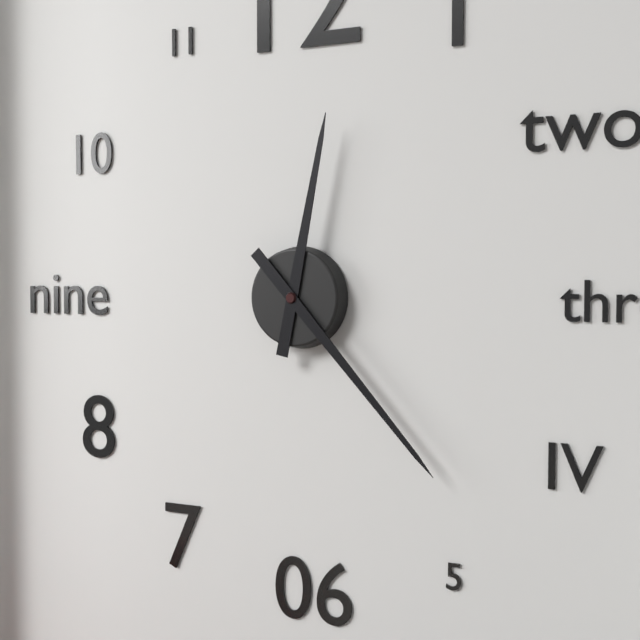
**12:23**
